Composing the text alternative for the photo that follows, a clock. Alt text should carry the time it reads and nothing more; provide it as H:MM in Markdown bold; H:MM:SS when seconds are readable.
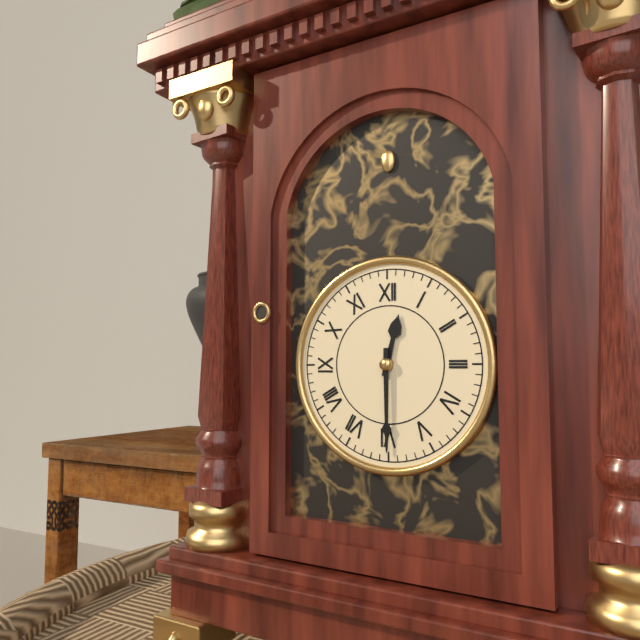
**12:30**
